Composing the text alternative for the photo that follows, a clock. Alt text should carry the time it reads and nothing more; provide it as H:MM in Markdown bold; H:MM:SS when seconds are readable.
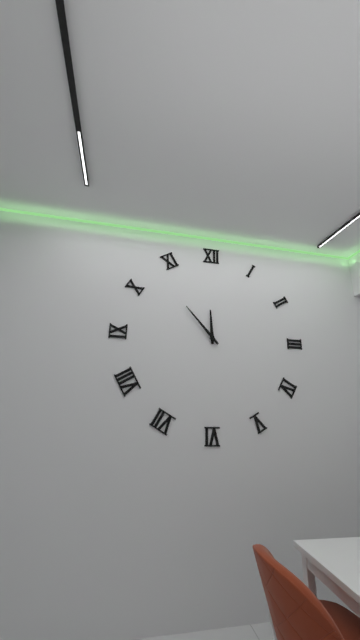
**11:53**
